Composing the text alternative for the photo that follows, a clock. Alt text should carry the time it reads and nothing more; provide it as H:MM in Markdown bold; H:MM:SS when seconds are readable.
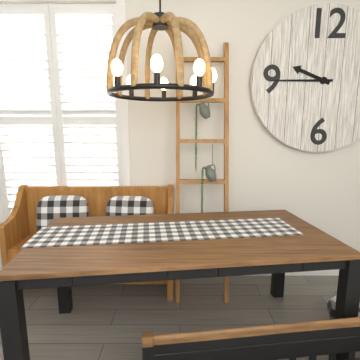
**9:45**
